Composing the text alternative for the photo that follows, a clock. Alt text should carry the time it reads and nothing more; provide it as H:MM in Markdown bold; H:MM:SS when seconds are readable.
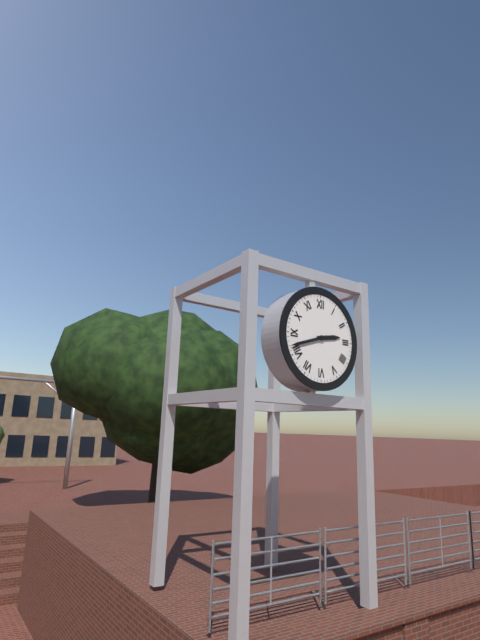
**2:42**
